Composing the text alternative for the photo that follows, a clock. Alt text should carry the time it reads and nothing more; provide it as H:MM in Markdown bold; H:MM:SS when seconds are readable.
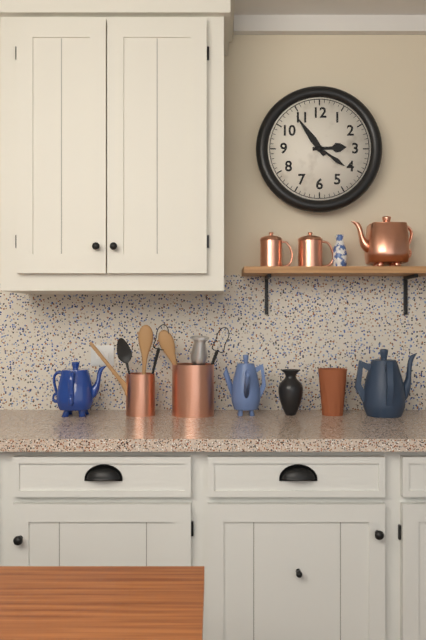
**2:54**
